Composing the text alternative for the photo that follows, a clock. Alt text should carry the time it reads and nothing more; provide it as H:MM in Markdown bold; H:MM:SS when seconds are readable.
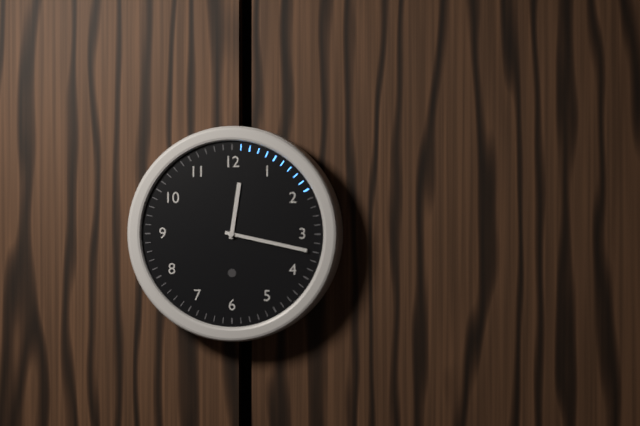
**12:17**
